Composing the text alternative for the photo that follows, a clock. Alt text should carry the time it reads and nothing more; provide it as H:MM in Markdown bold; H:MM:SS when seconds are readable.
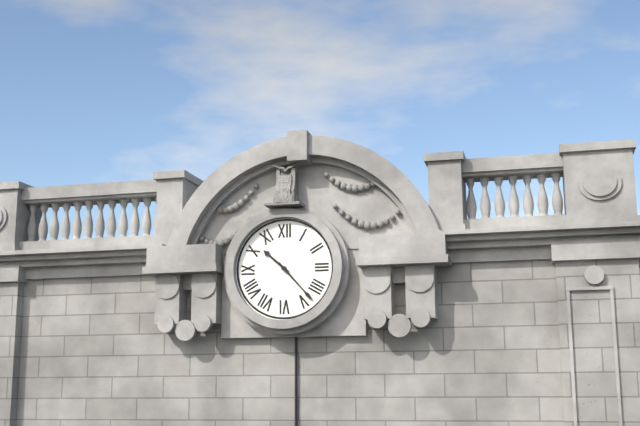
**10:23**
